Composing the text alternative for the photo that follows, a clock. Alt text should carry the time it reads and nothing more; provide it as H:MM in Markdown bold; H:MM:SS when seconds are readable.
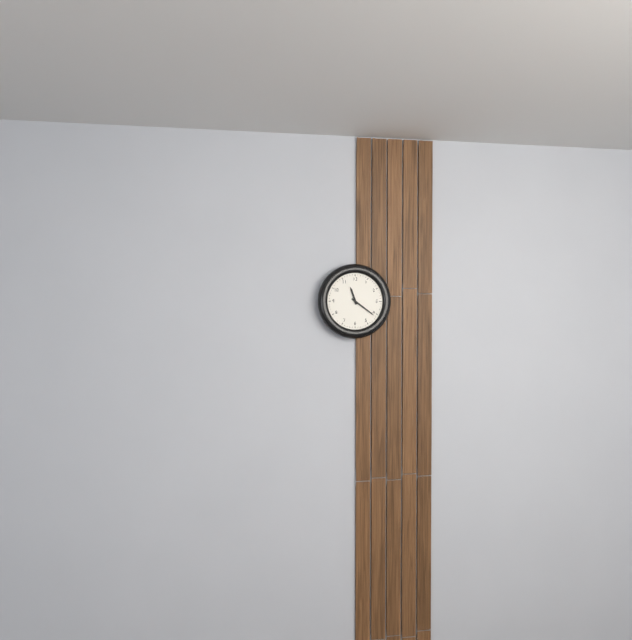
**11:21**
